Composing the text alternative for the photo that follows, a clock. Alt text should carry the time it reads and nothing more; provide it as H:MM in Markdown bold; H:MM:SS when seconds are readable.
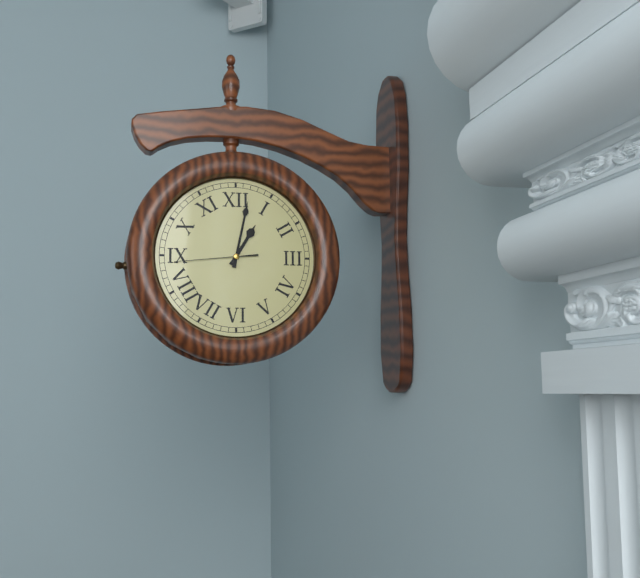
**1:02:44**
